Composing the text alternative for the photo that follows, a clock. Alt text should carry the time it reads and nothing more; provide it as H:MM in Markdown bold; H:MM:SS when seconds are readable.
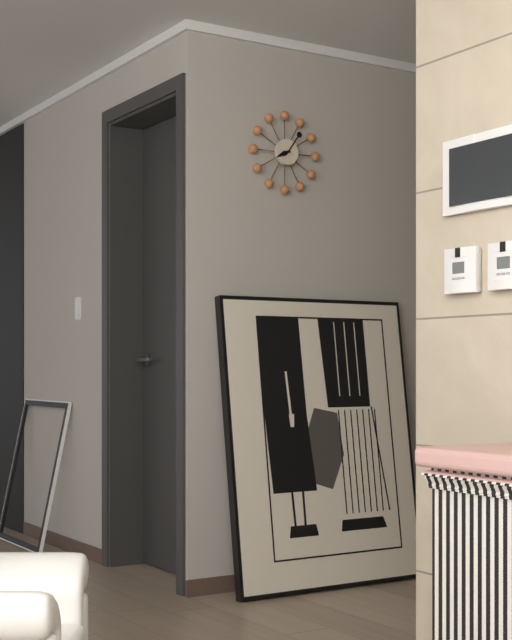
**8:06**
